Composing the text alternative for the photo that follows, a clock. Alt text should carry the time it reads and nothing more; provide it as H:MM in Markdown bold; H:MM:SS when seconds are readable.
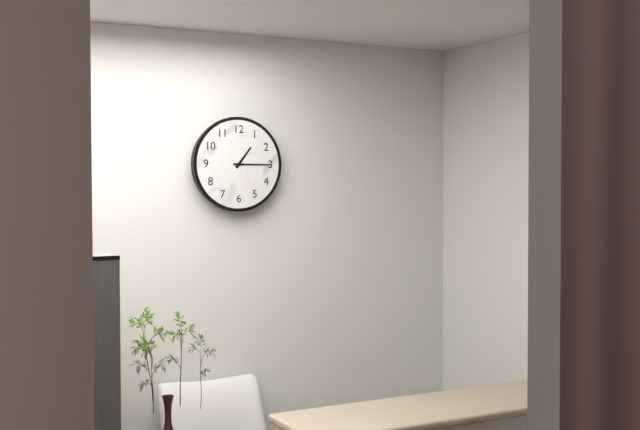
**1:15**
